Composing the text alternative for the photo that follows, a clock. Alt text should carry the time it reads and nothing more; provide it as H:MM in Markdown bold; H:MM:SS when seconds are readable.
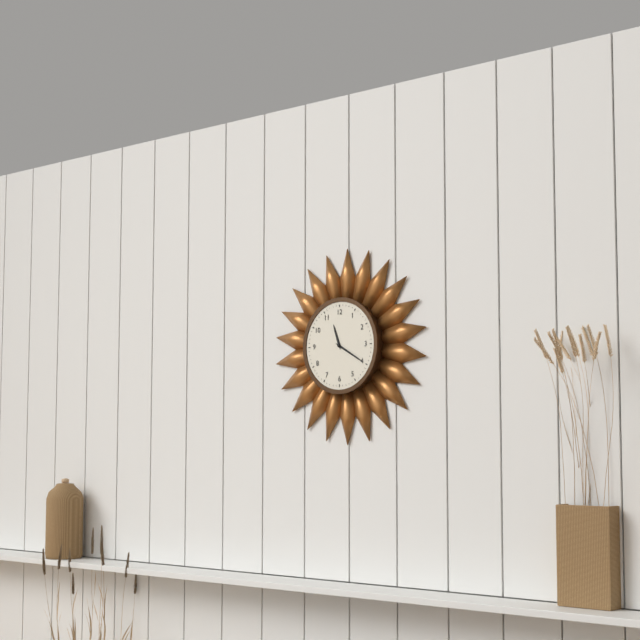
**11:20**
